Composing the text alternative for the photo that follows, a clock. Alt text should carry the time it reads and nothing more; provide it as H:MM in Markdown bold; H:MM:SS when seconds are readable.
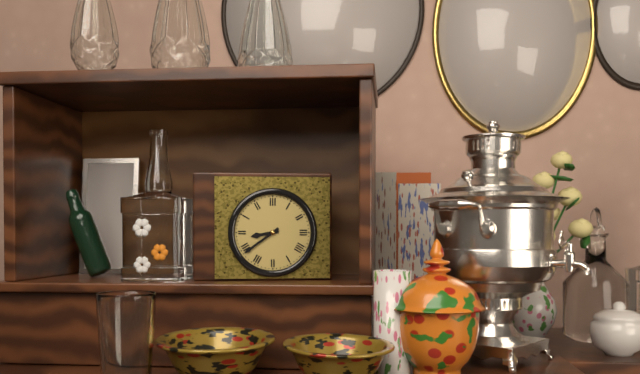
**8:39**
